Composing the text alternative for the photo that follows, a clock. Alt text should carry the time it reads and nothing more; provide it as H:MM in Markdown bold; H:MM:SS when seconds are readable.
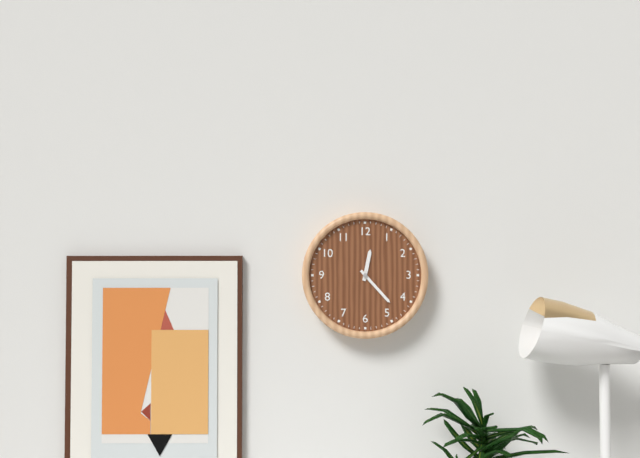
**12:23**
